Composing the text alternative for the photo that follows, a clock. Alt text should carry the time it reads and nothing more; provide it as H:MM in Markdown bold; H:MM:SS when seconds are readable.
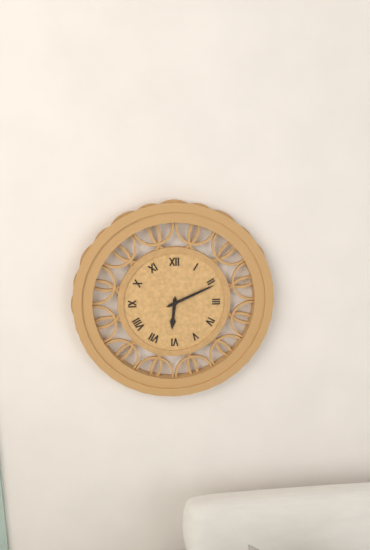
**6:11**
